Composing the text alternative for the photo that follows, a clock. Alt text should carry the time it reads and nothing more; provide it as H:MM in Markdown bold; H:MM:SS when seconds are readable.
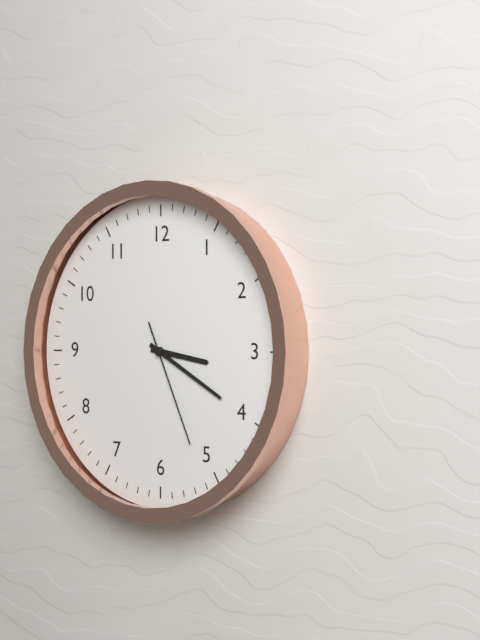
**3:20:26**
